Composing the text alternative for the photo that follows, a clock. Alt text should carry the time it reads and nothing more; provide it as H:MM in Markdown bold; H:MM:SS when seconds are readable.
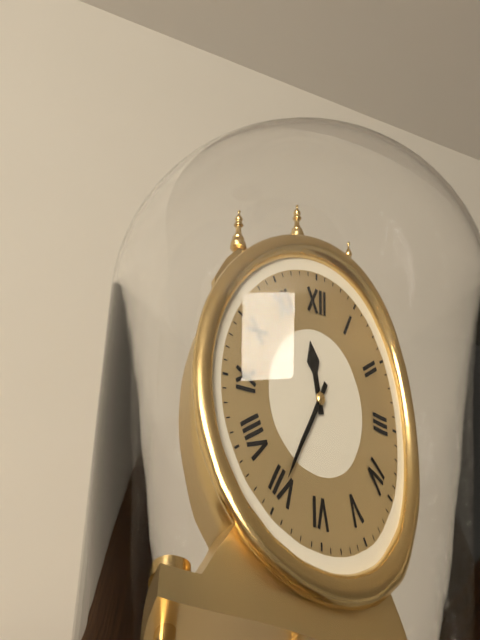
**11:35**
